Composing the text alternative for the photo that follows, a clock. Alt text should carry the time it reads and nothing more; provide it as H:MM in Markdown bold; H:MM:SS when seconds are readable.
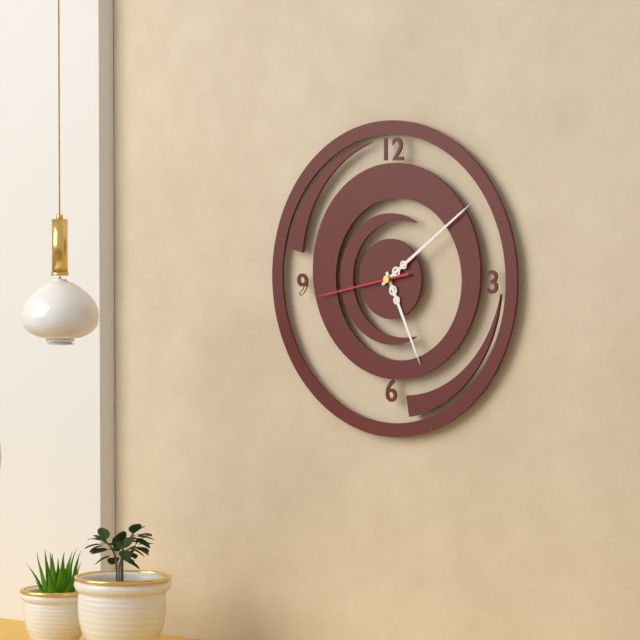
**5:09:43**
